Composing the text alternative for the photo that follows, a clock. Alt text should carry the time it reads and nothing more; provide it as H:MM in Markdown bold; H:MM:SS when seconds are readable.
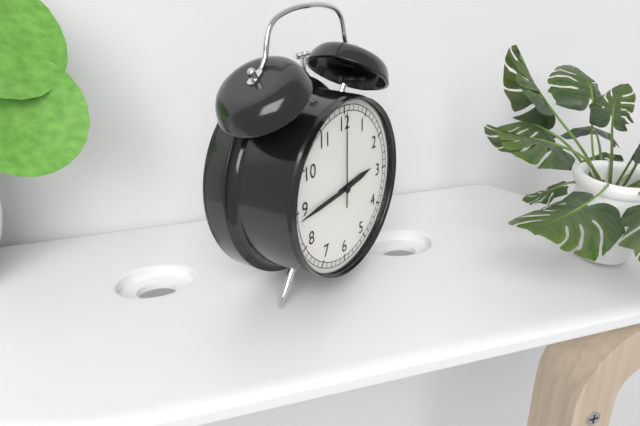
**2:44:00**
